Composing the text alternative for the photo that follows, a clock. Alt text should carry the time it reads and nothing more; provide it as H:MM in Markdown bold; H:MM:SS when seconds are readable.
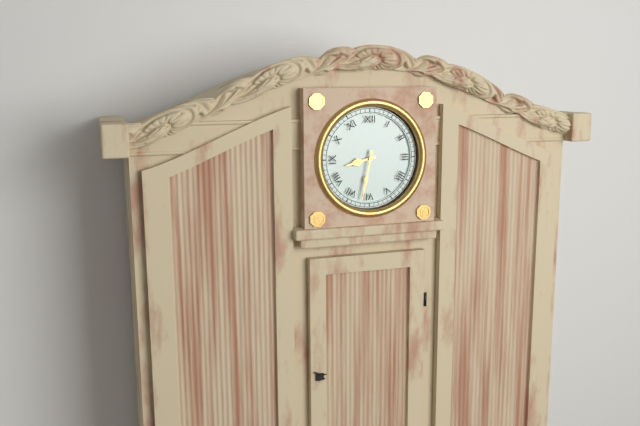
**8:32**
